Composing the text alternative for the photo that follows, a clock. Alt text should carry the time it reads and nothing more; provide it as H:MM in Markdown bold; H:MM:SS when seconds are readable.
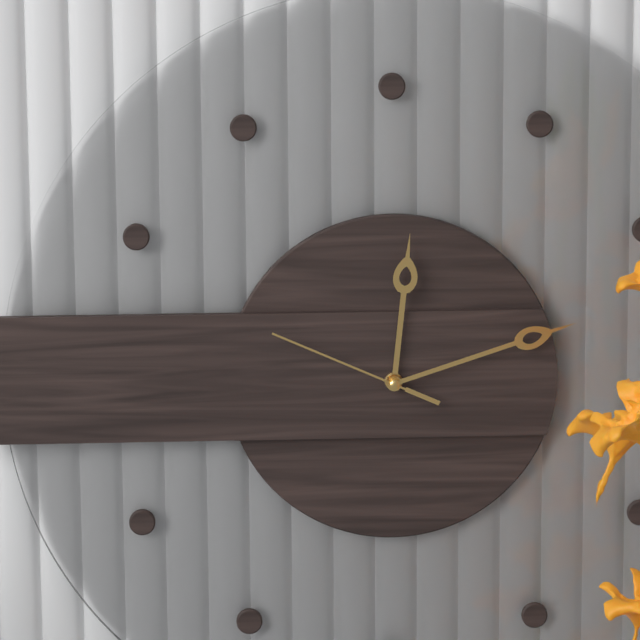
**12:12:49**
